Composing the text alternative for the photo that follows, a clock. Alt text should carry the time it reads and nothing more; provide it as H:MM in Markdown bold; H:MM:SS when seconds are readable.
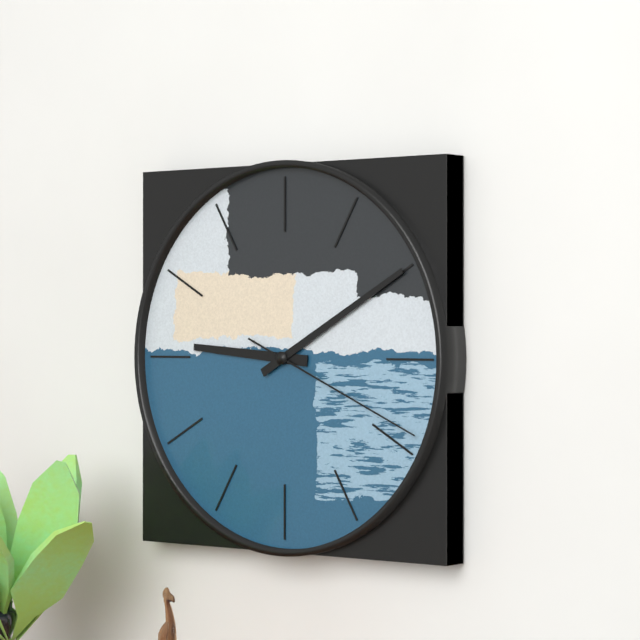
**9:10:19**
